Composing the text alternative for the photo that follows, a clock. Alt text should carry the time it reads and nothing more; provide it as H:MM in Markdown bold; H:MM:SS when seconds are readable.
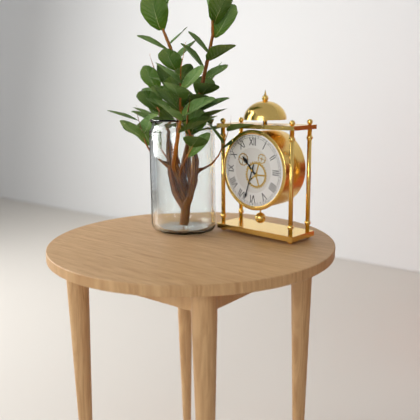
**10:33**
